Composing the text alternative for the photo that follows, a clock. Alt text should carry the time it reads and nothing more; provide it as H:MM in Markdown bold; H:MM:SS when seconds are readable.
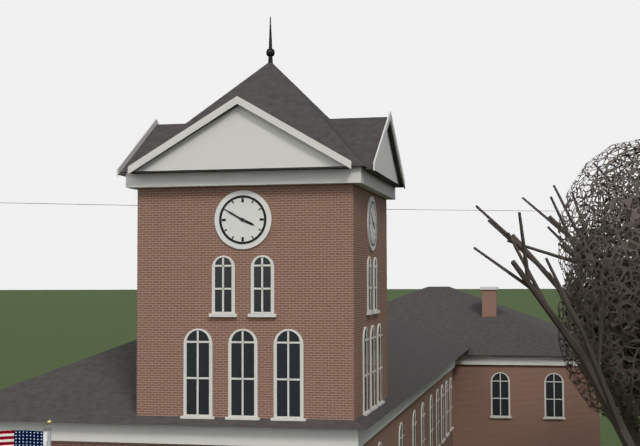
**3:50**
